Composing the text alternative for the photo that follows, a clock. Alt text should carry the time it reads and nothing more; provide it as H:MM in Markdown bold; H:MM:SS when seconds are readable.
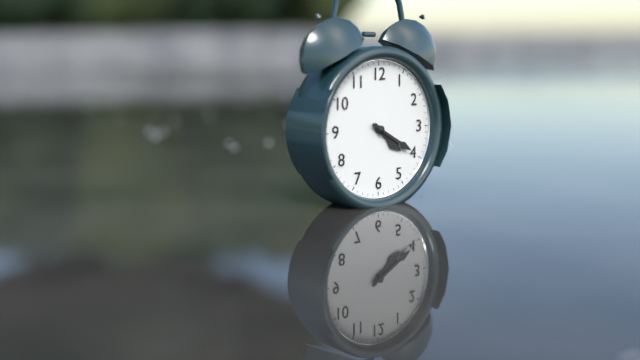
**4:20**
